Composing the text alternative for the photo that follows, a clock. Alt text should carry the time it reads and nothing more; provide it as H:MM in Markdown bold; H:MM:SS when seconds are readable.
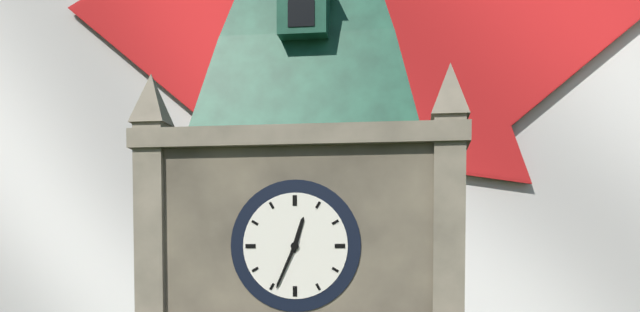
**12:34**
